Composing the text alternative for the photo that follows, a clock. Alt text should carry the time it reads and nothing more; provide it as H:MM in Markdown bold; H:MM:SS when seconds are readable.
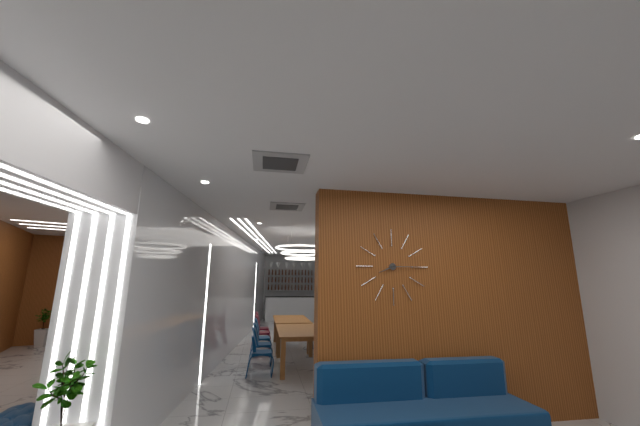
**8:15**
